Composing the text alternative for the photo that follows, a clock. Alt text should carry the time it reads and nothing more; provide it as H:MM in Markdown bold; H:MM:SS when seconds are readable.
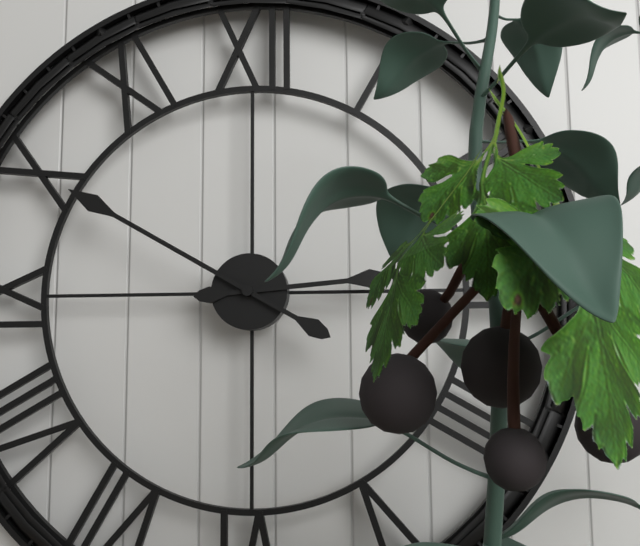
**2:50**
